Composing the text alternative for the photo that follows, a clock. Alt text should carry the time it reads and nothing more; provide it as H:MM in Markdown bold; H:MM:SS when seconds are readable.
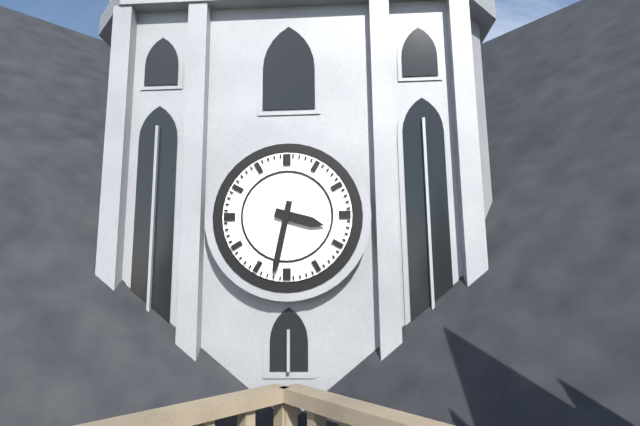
**3:32**
